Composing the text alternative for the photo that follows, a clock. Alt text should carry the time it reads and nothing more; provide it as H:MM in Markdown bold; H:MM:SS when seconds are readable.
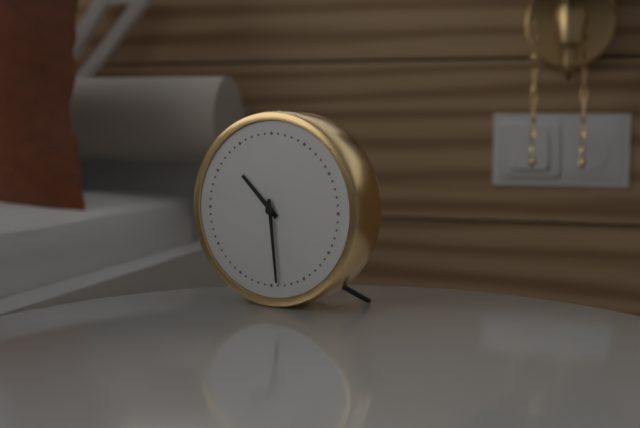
**10:29**
